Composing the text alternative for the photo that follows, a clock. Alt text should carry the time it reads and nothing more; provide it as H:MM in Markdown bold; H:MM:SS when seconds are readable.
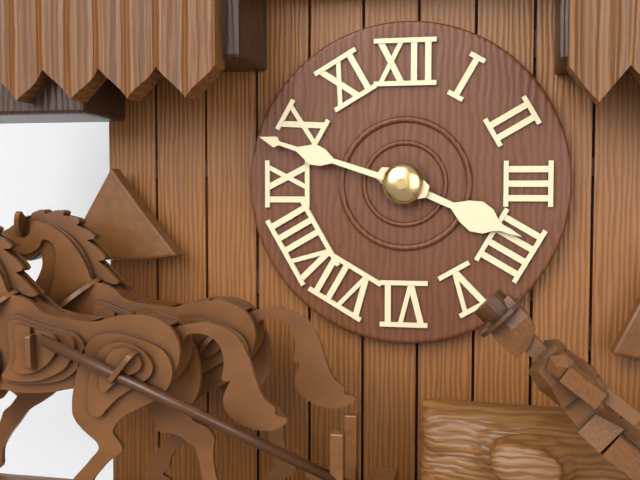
**3:48**
